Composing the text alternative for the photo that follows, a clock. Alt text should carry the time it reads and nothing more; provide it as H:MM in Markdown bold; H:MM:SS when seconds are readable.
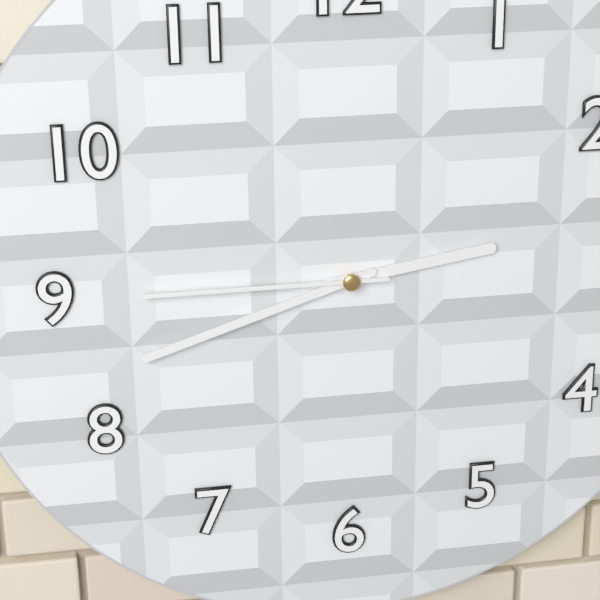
**2:42:45**
